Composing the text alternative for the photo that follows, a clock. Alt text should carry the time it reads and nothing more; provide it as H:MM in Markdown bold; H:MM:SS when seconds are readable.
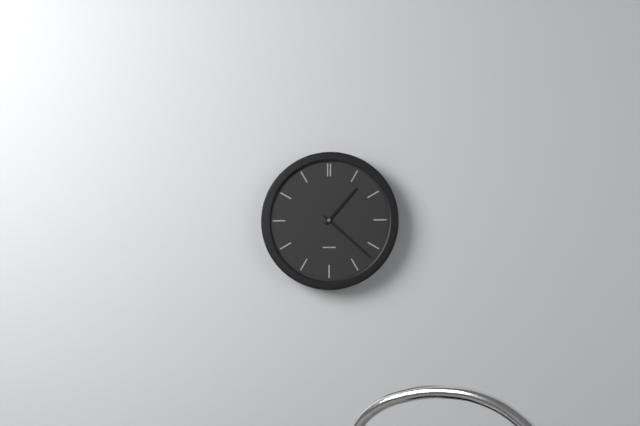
**1:22**
